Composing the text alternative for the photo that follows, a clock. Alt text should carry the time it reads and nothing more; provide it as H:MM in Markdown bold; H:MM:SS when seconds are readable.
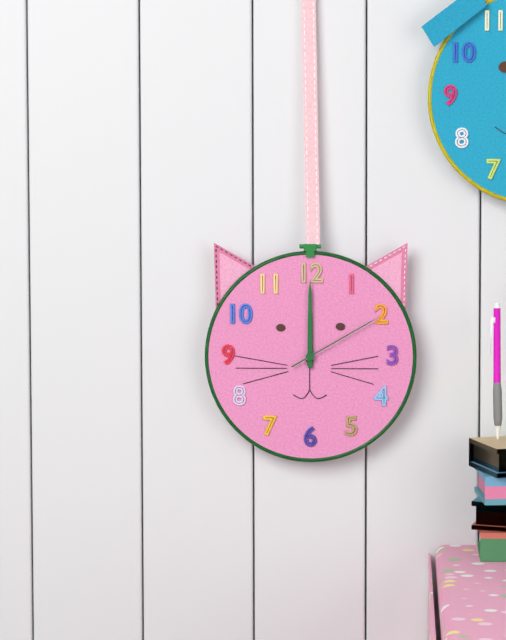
**12:00:10**
